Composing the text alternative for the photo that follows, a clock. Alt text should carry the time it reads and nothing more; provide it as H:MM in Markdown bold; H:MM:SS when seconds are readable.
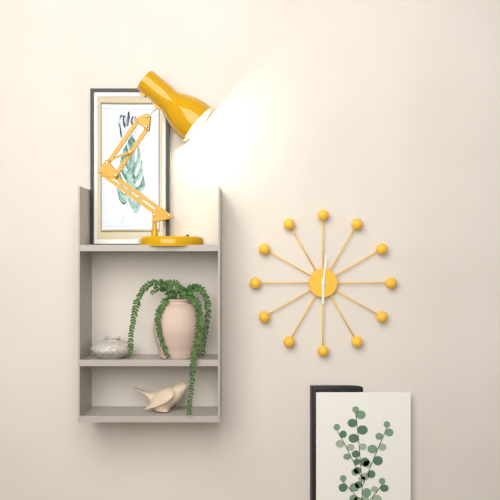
**6:01**
